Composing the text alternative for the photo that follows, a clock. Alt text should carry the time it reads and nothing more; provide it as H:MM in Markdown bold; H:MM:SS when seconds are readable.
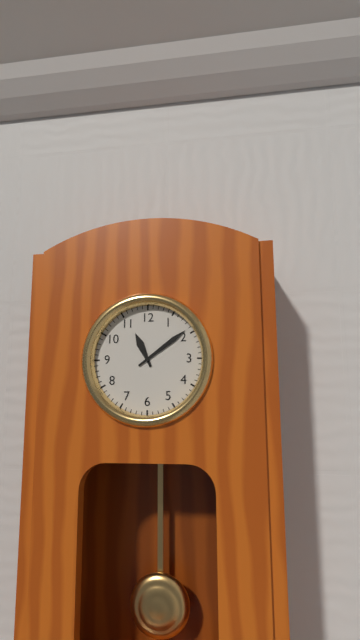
**11:09**
